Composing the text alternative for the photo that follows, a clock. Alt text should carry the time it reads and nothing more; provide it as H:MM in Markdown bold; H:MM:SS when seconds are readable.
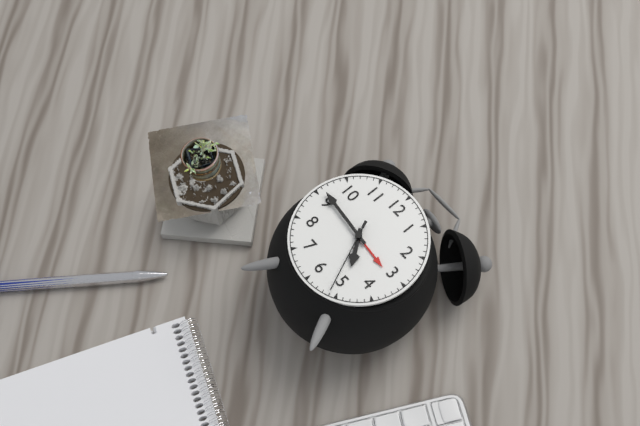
**4:46:26**
